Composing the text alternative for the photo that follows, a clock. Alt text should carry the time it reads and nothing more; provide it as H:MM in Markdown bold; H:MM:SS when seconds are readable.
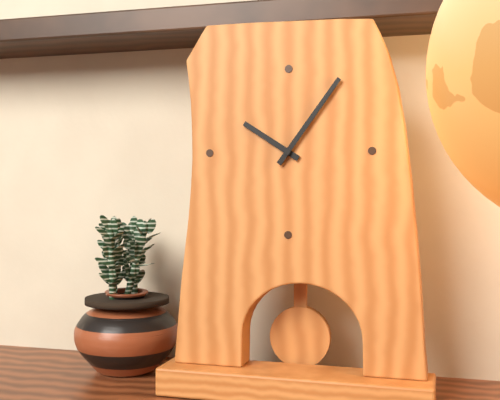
**10:06**
